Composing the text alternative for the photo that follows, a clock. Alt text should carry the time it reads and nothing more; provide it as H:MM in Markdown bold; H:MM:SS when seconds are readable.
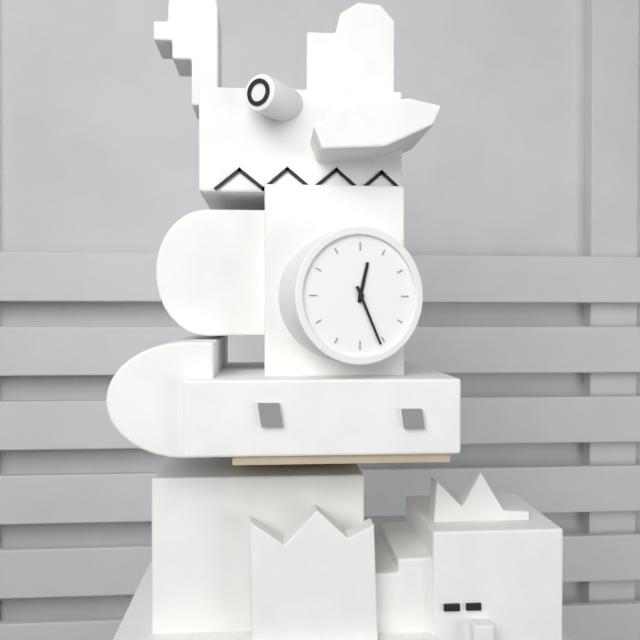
**12:26**
